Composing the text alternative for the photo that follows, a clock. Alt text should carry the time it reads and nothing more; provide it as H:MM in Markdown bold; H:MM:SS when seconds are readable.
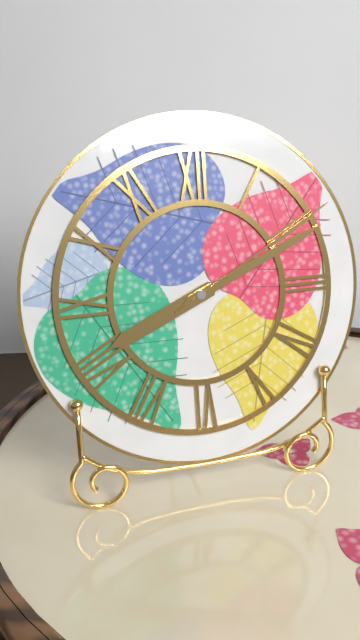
**8:11:10**
